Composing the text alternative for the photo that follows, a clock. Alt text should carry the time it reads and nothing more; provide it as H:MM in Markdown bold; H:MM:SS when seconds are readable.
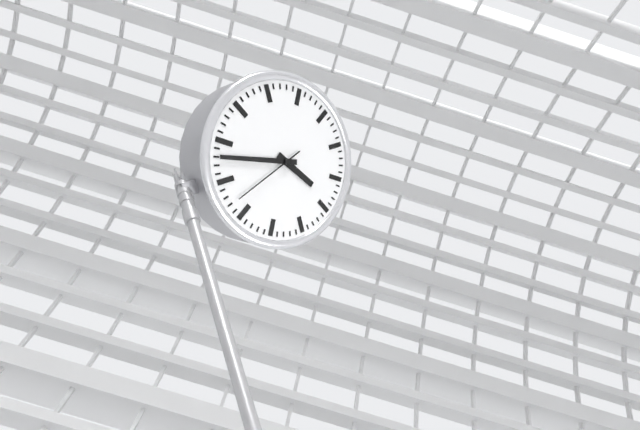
**3:43:37**
